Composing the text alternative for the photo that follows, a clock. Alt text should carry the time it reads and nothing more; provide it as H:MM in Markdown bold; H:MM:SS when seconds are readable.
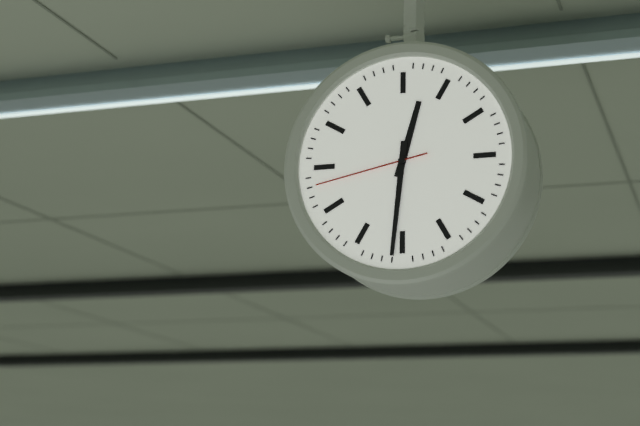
**12:31:43**
